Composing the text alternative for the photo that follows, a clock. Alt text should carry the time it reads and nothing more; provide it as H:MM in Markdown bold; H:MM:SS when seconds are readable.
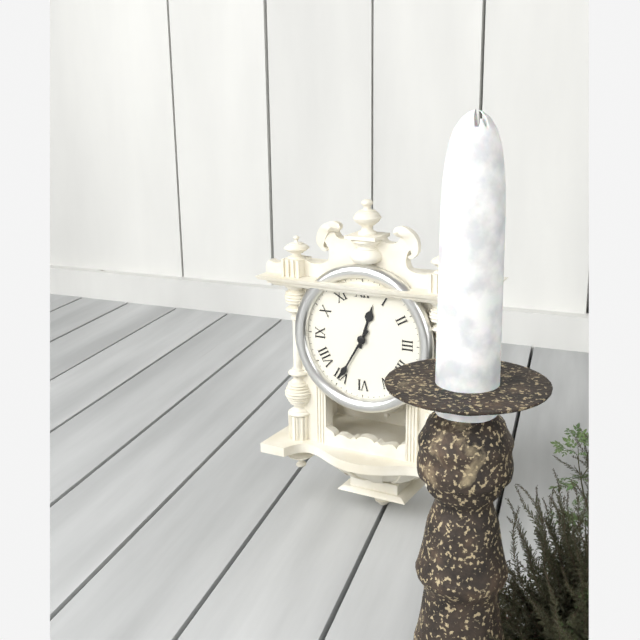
**12:35**
